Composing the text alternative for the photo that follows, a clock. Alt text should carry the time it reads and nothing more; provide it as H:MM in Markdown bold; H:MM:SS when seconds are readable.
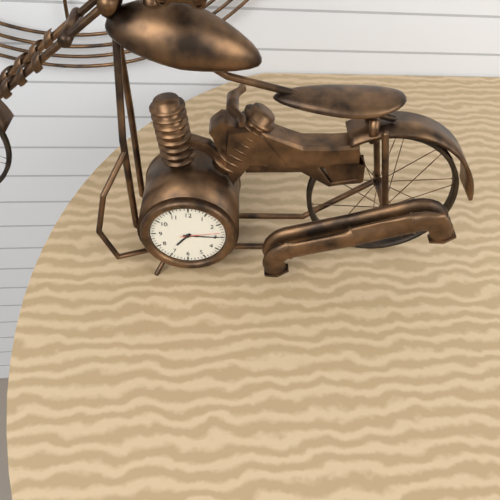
**7:15**
